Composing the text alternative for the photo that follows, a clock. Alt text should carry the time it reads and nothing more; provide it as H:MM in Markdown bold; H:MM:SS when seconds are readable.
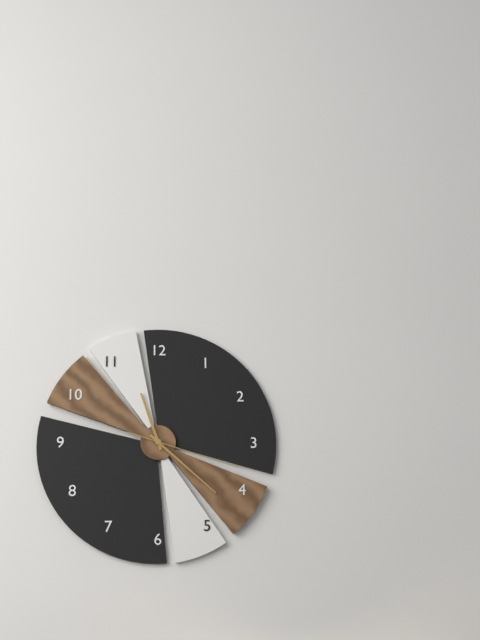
**11:22:18**
